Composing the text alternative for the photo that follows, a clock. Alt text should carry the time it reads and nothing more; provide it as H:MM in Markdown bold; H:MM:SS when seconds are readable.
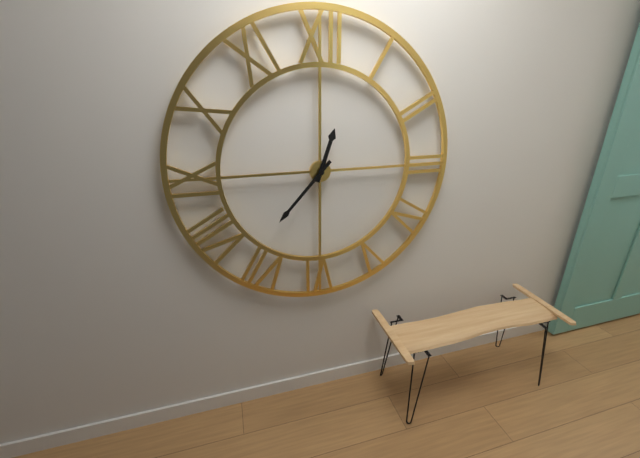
**12:37**
